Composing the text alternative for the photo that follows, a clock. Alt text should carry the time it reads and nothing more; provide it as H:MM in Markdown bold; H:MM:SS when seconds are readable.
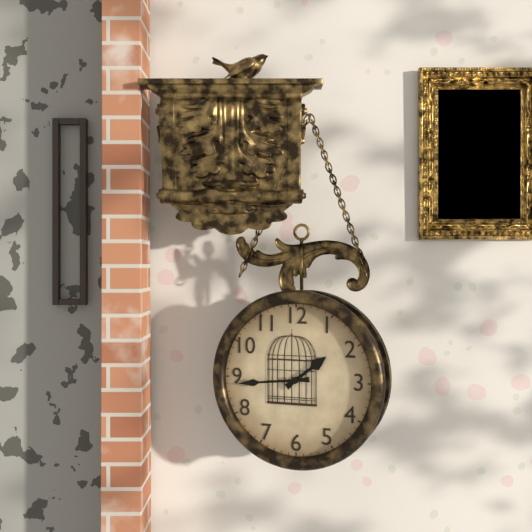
**1:44**
